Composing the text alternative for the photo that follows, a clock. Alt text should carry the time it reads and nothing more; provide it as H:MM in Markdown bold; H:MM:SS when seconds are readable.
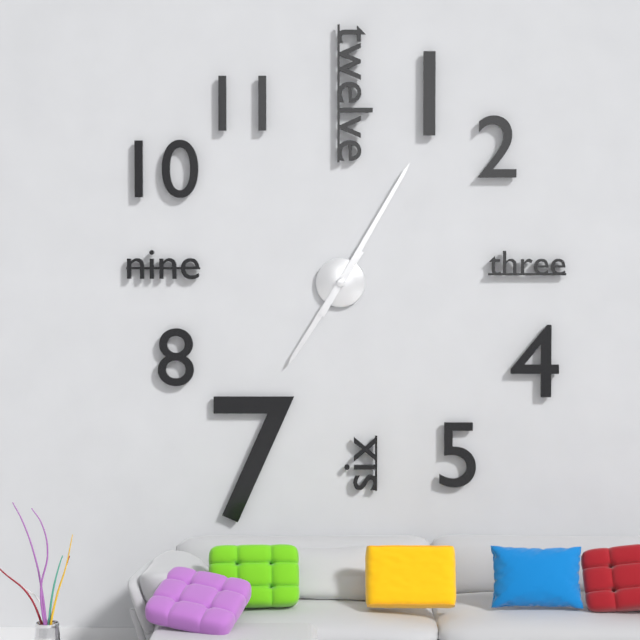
**7:05**
